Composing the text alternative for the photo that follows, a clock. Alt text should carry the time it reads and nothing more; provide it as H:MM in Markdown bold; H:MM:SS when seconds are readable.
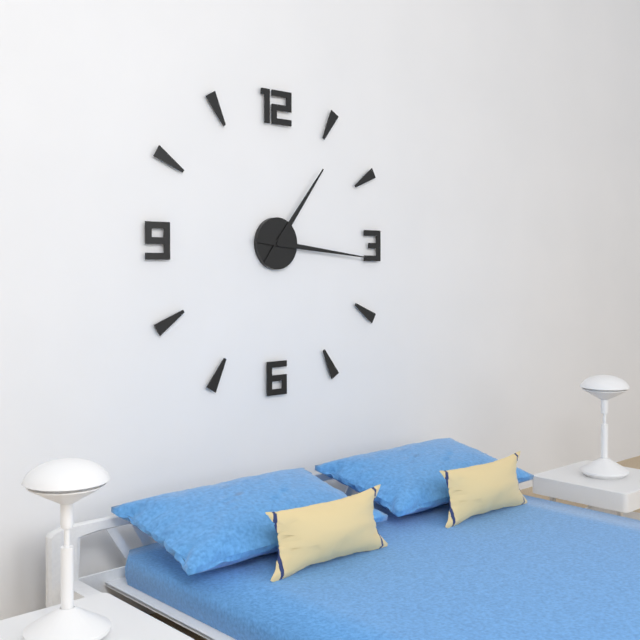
**1:16**
